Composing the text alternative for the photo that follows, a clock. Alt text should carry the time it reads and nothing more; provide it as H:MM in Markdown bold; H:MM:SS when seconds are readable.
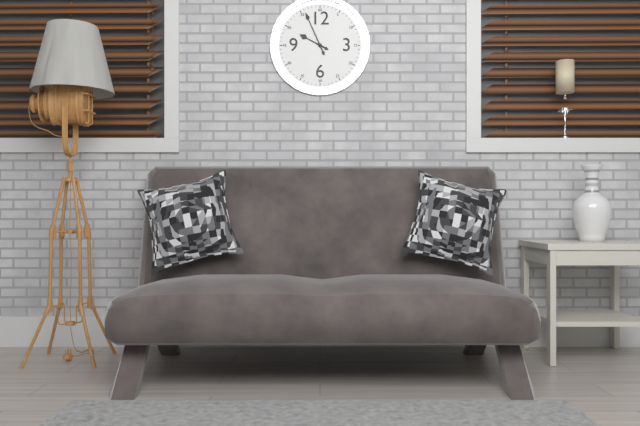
**9:56**
